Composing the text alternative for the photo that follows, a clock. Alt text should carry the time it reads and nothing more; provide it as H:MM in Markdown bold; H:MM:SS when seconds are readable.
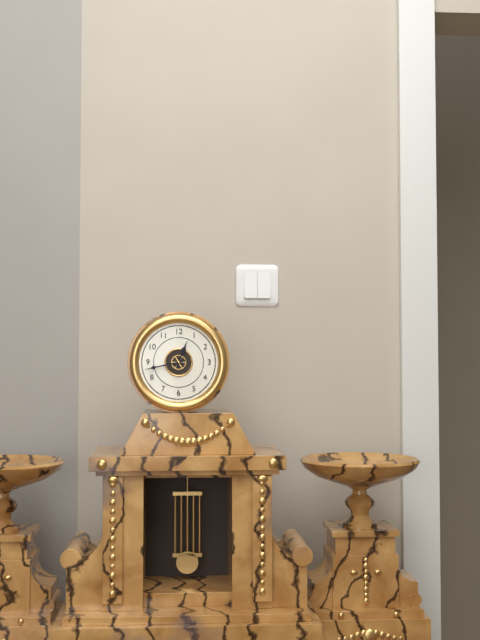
**12:43**
